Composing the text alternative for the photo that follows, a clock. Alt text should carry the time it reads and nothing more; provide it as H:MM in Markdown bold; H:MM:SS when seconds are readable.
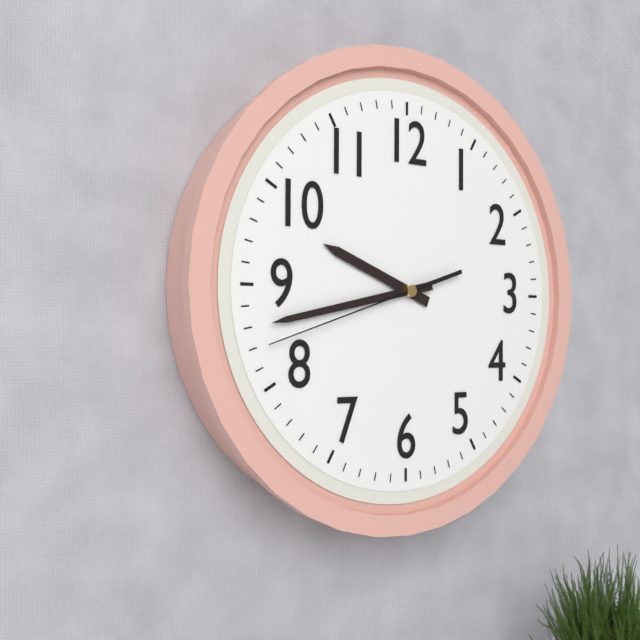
**9:43:42**
